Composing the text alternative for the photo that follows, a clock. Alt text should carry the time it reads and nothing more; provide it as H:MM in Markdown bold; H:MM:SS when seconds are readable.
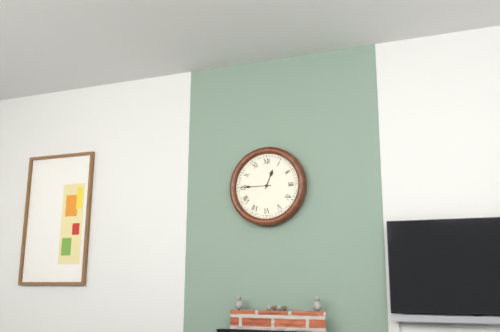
**12:45**
